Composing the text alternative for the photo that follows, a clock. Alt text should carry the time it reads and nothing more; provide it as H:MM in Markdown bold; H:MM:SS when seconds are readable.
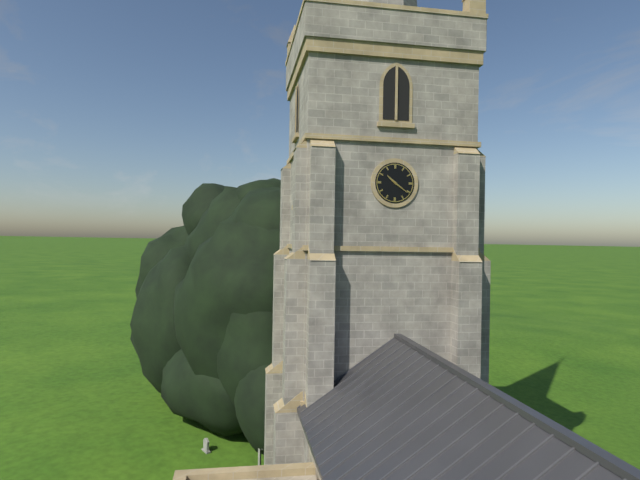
**10:21**
